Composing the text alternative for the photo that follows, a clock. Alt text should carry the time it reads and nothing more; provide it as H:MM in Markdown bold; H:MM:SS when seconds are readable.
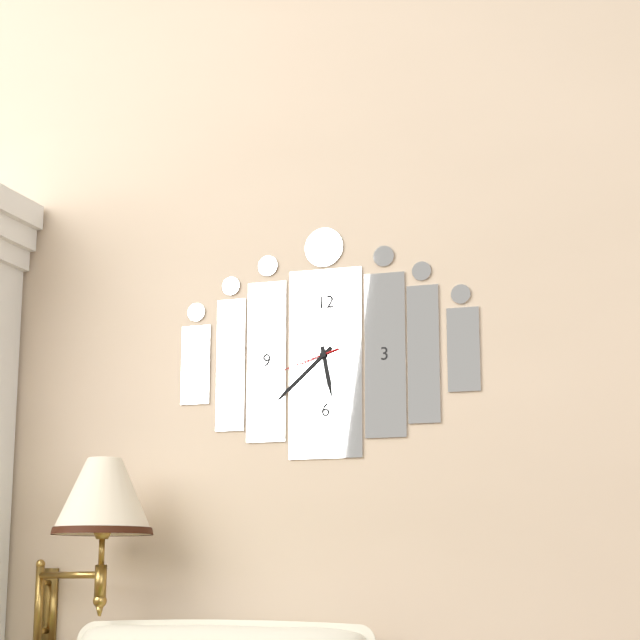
**5:38:42**
